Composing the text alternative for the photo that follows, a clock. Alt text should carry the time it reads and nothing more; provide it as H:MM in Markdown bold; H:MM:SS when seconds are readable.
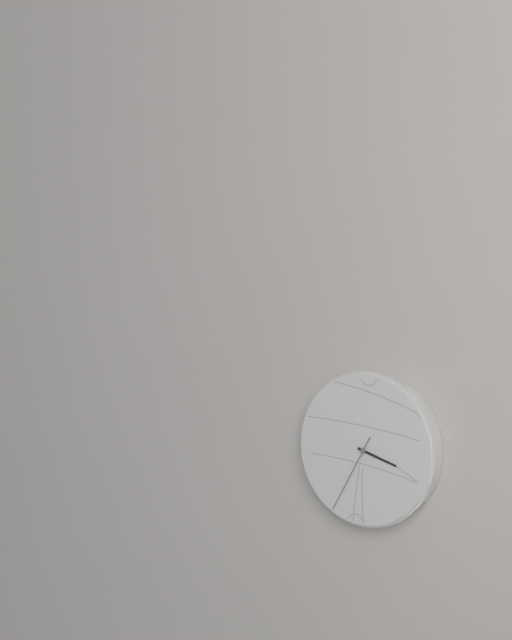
**3:35**
